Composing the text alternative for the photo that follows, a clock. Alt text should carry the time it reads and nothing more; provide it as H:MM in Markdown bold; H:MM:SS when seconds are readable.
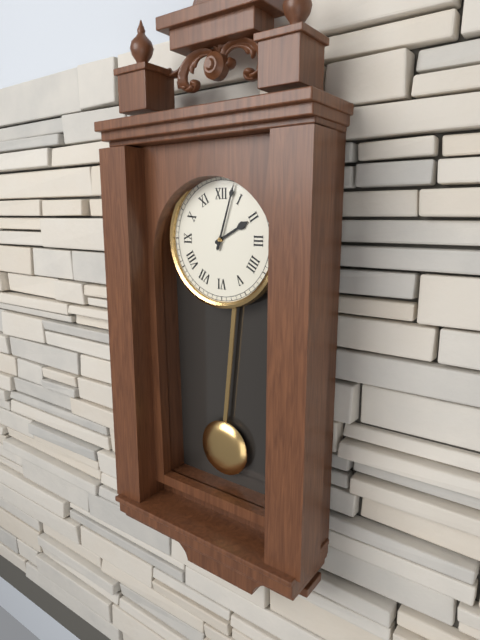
**2:03**
